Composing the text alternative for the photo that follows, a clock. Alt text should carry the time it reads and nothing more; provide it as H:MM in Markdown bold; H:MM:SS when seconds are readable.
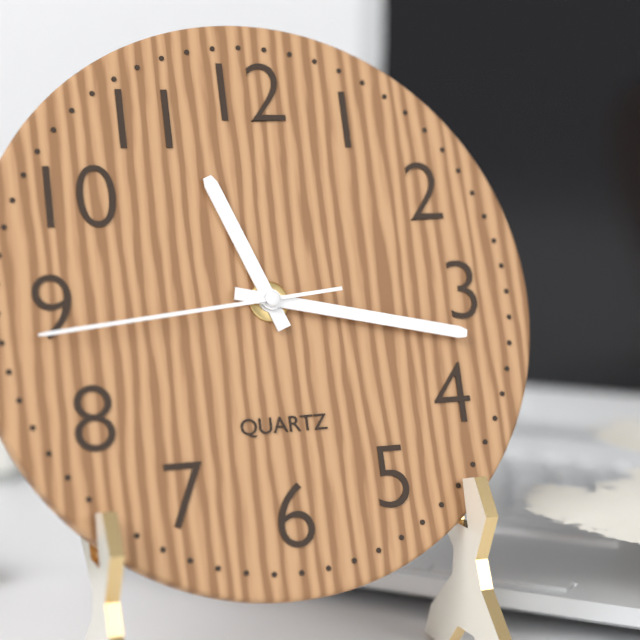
**11:17:44**
